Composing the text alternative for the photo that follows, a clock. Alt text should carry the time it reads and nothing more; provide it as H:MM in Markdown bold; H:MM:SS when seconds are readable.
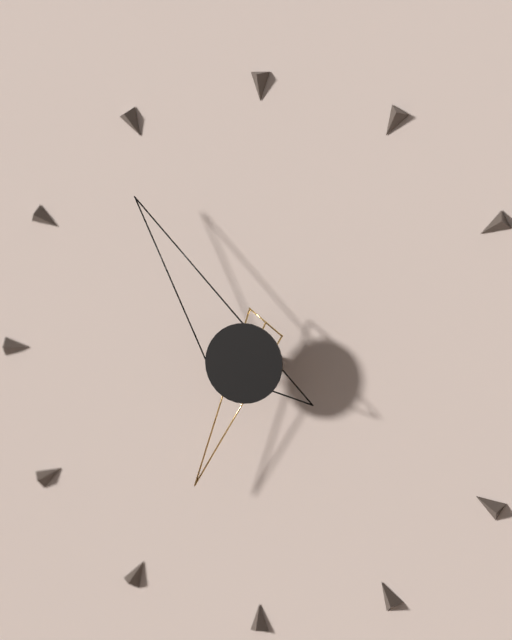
**6:54**
